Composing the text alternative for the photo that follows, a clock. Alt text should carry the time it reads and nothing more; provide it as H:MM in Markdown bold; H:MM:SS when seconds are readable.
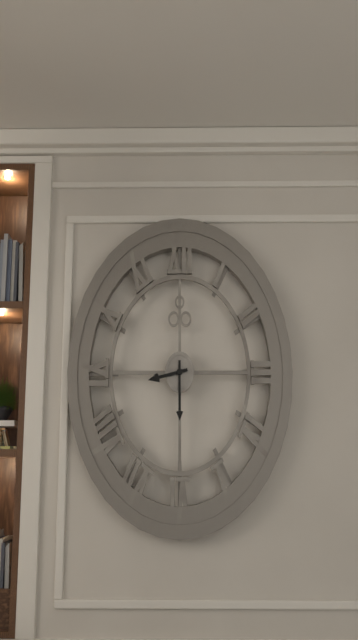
**8:30**
